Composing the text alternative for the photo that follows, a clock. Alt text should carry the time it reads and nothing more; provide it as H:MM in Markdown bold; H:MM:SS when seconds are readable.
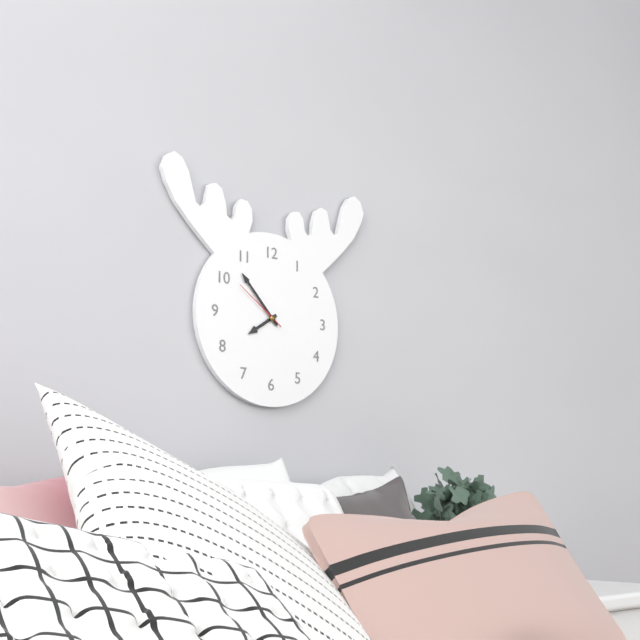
**7:53:51**
